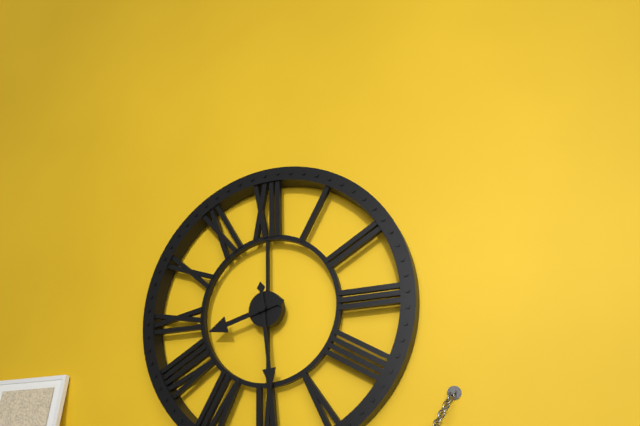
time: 8:29
